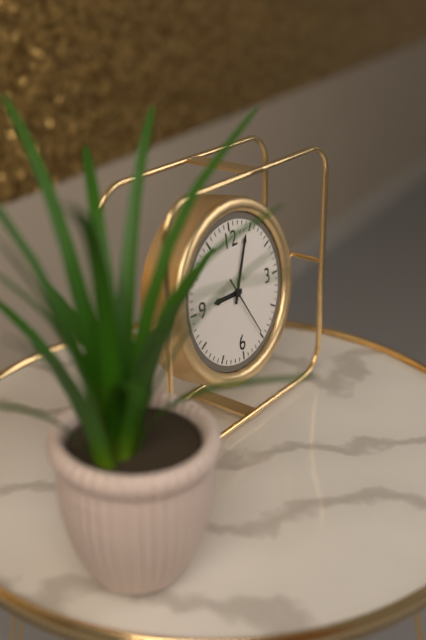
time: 9:04:25
